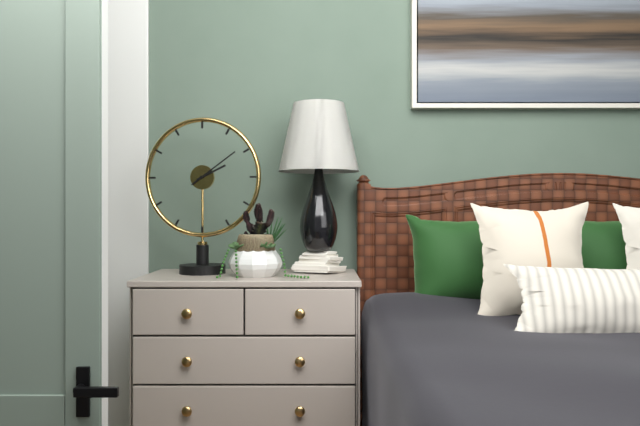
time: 2:09
